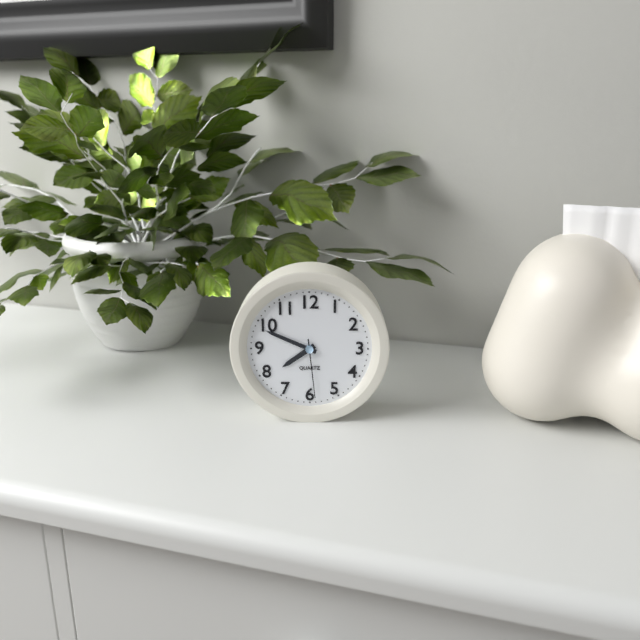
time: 7:49:29
